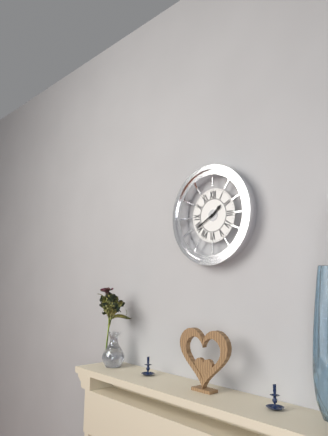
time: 1:40
